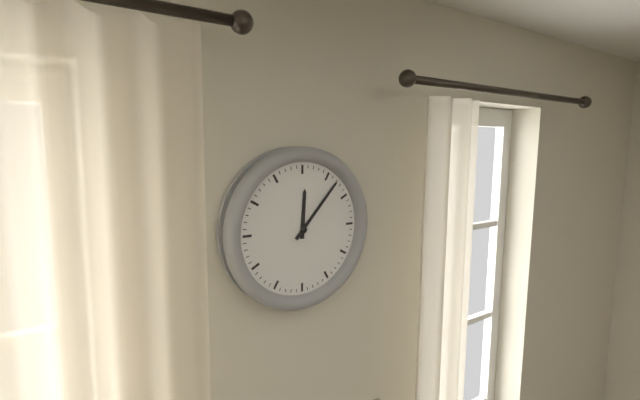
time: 12:07
